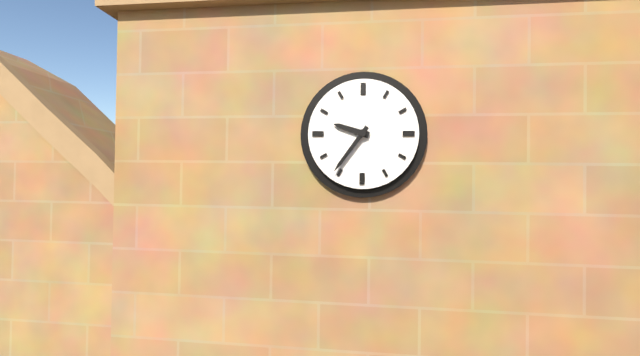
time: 9:36
